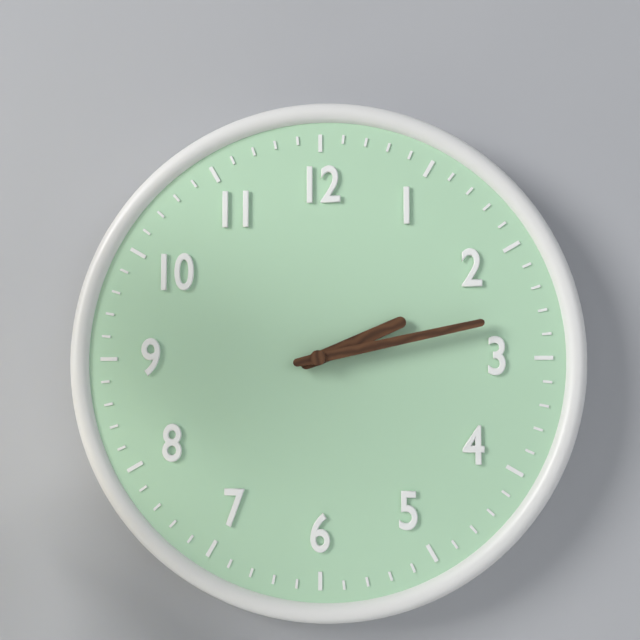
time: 2:13
